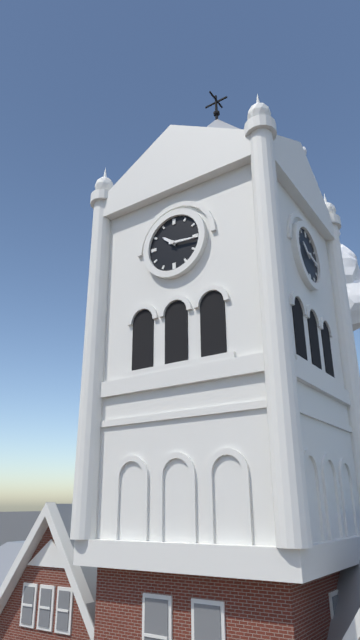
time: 10:16
